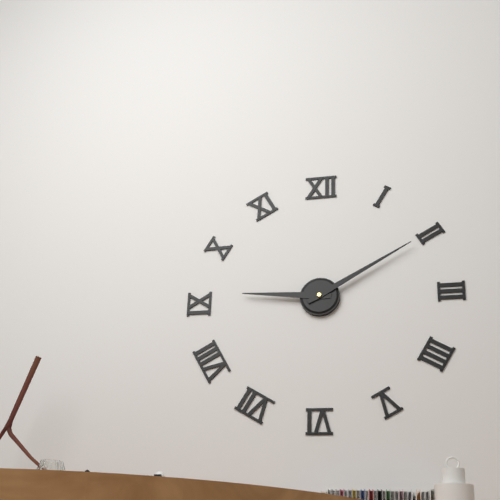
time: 9:10
